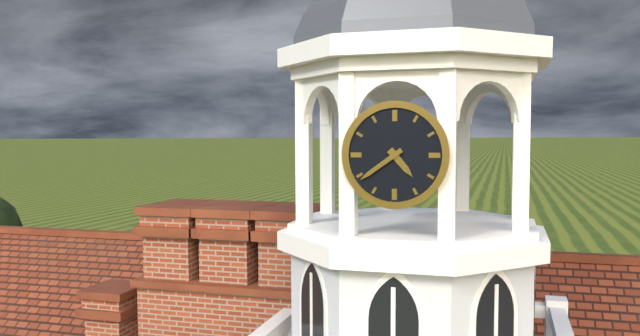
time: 4:39
